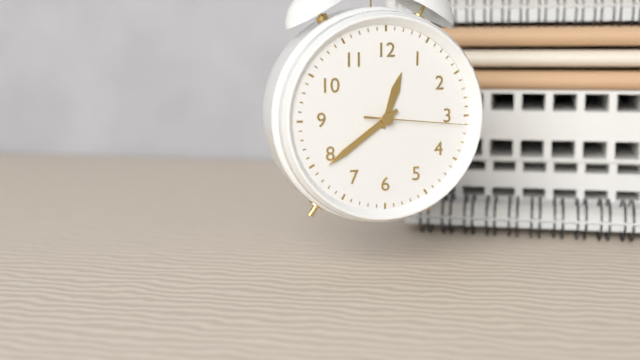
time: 12:39:16
